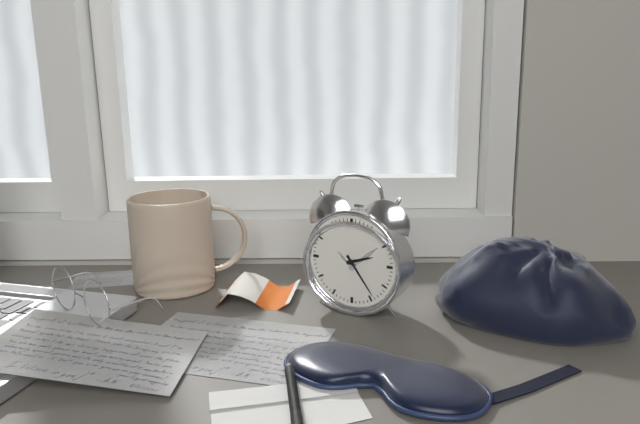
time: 2:24
